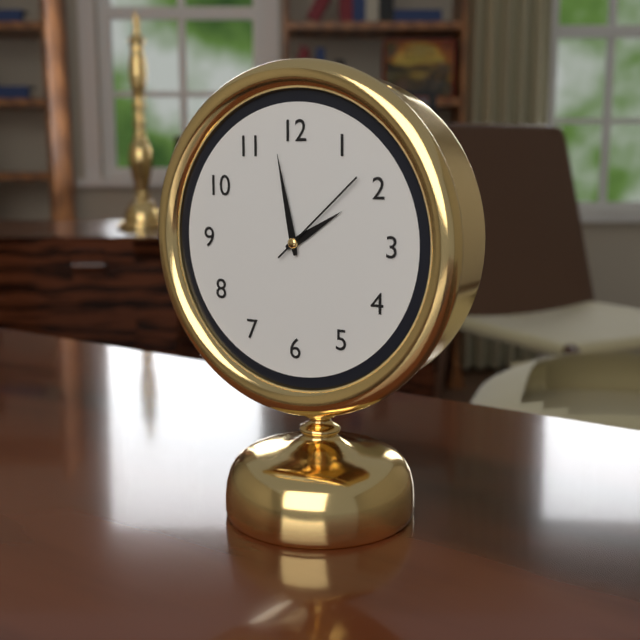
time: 1:58:08
